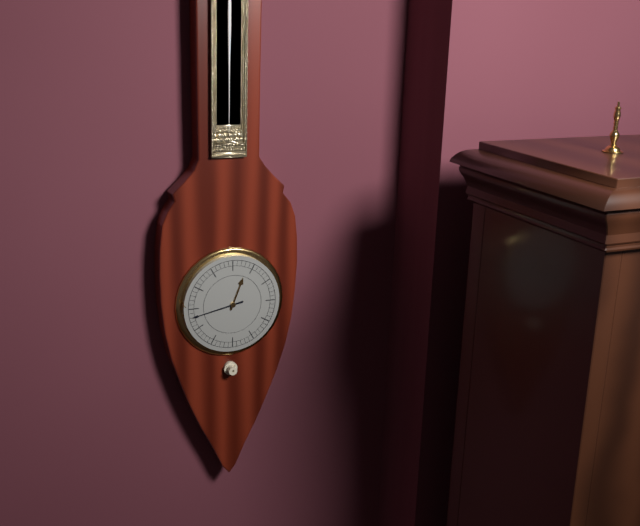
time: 12:43
